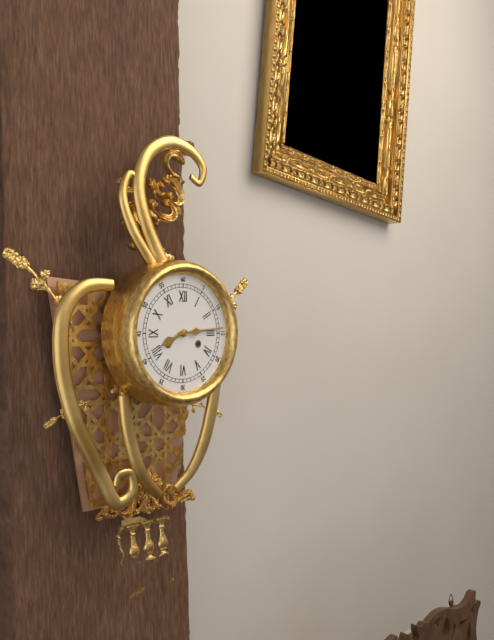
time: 8:14
